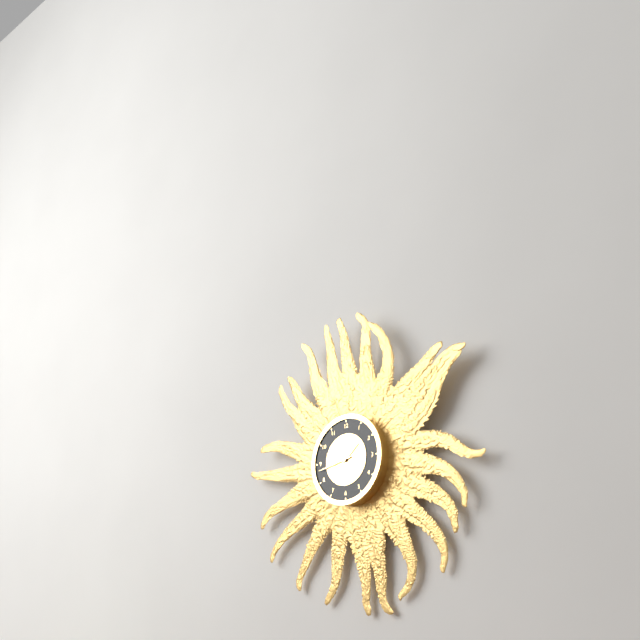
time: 1:43
